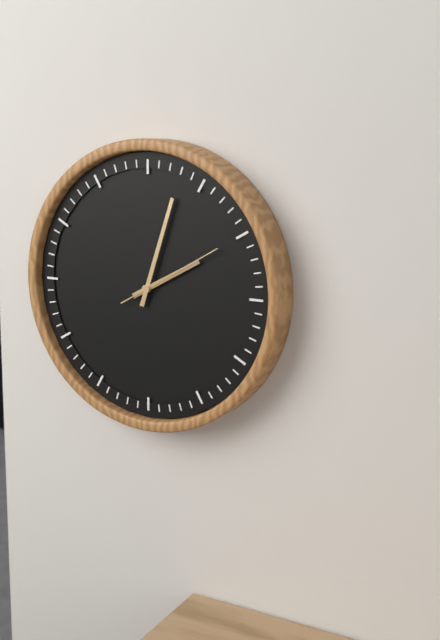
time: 2:03:10
